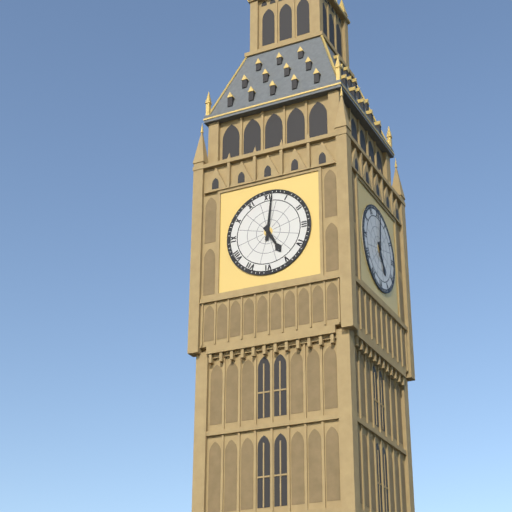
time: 5:01
